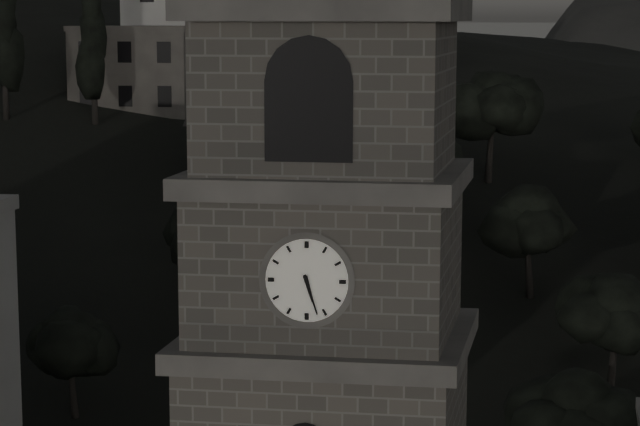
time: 5:27
